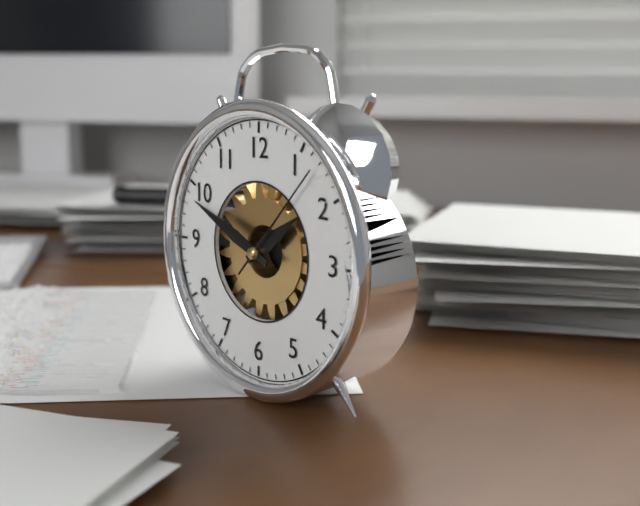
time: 1:49:07
